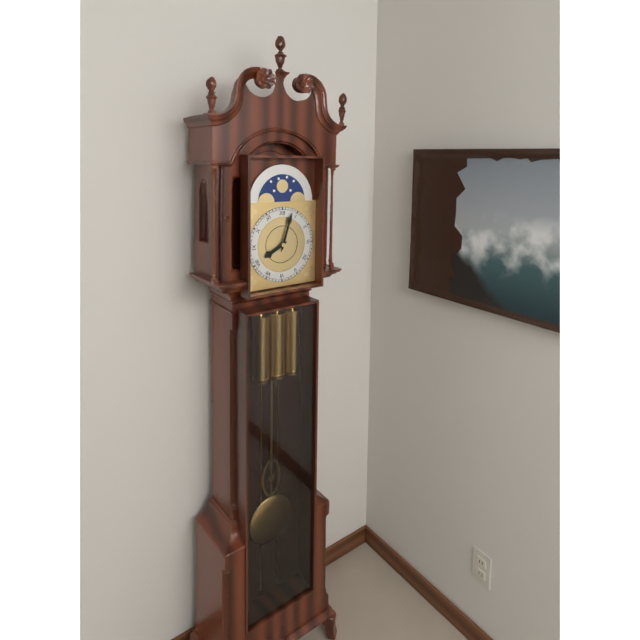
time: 8:03
